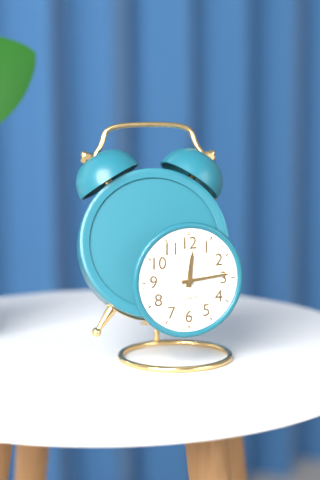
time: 12:14
